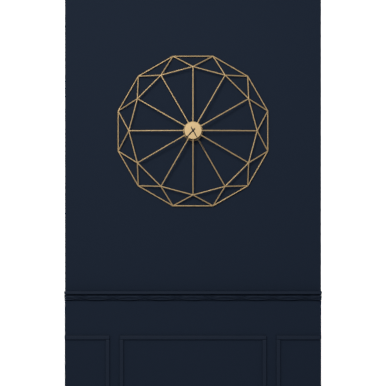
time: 7:25
